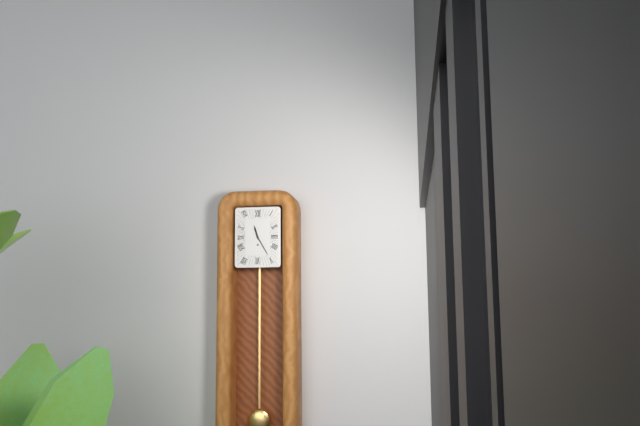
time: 11:25
